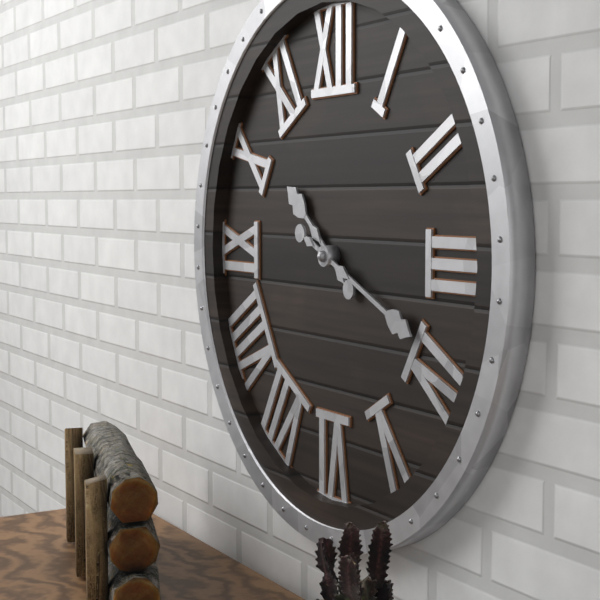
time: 10:19
